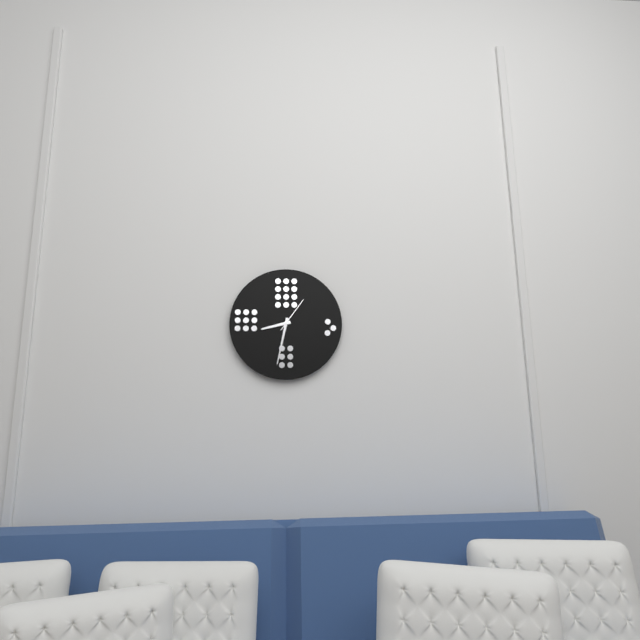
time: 8:32
